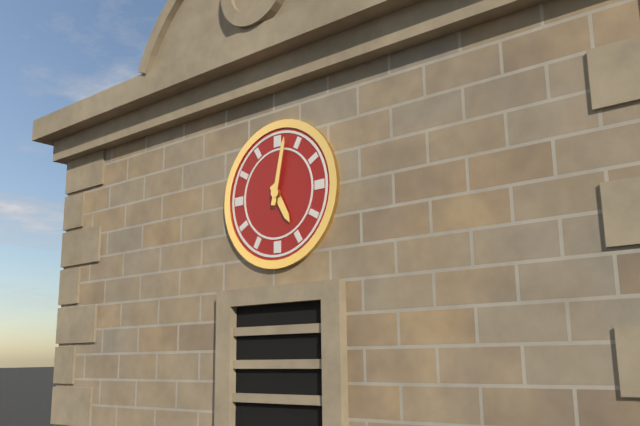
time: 5:02
